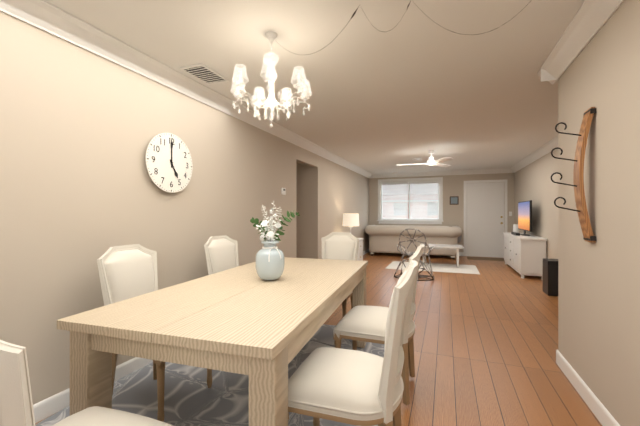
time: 5:00
